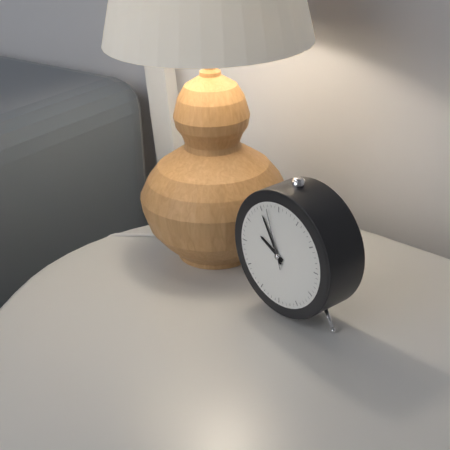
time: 9:55:57
